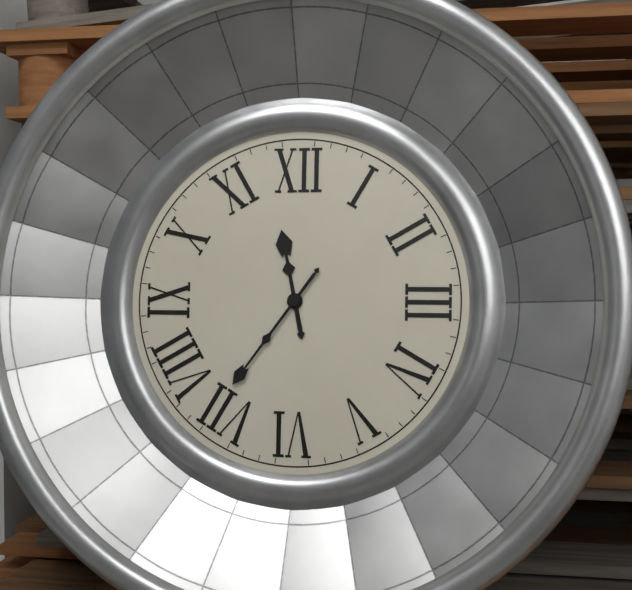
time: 11:36
